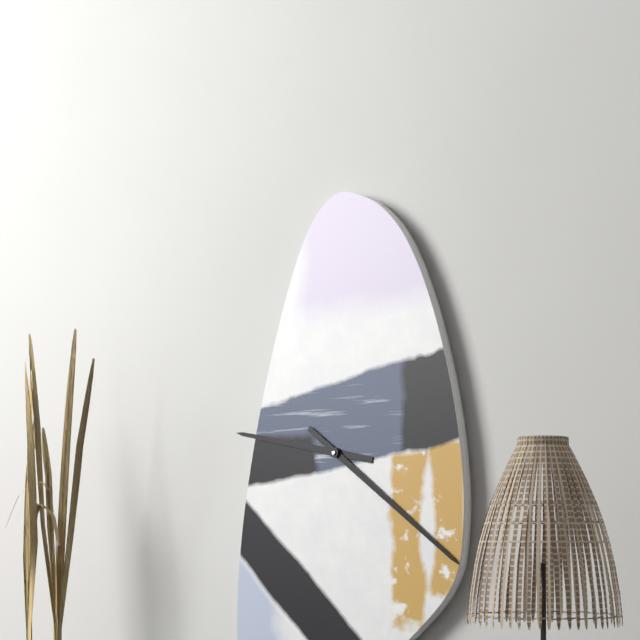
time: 9:21
